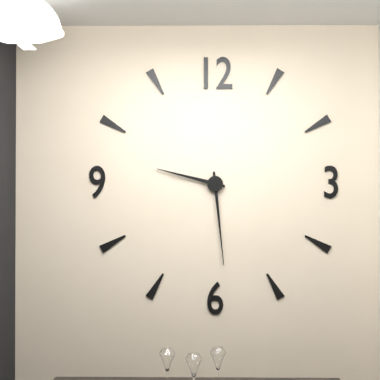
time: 9:29
